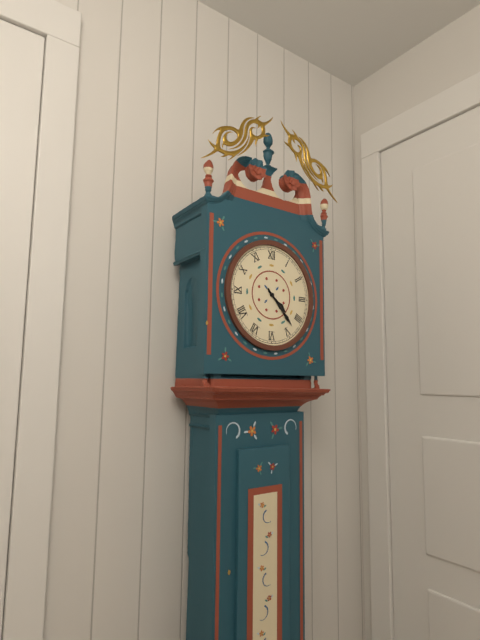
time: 4:23
